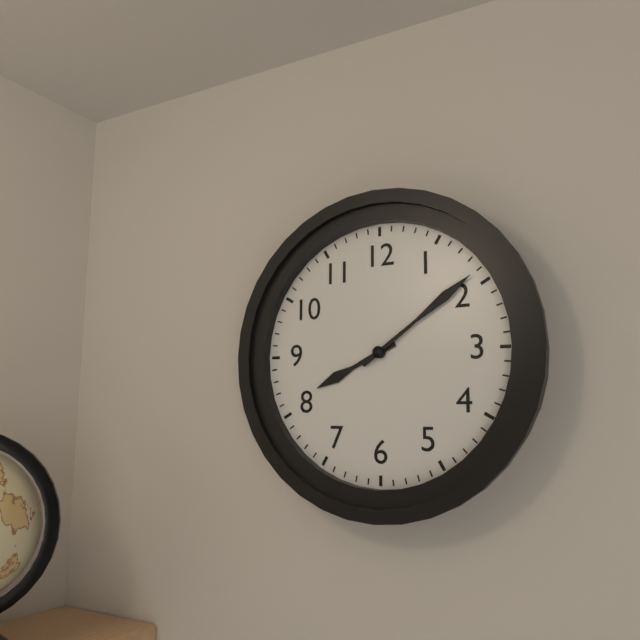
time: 8:09
